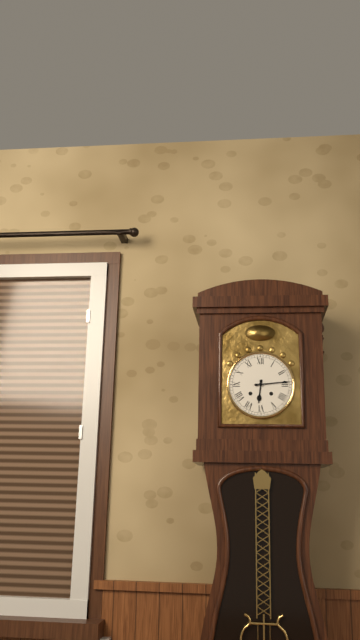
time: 6:14
